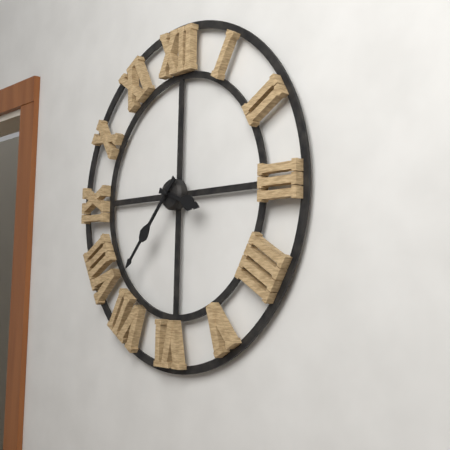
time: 3:37
